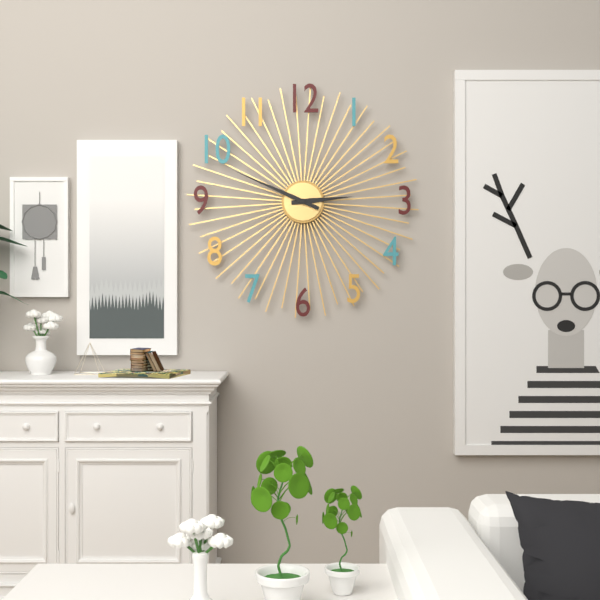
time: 2:49
